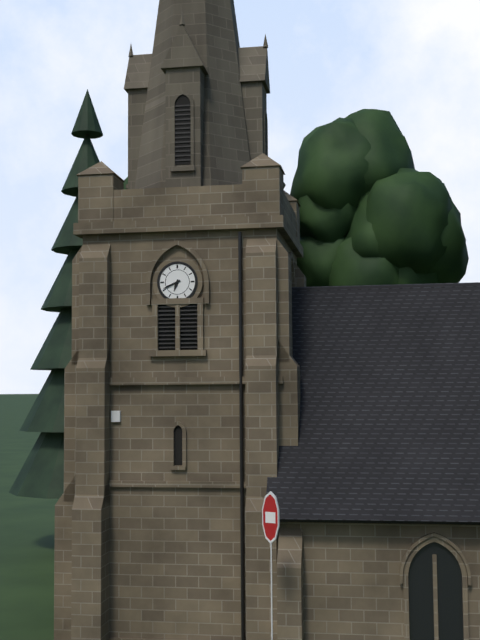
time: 6:41
